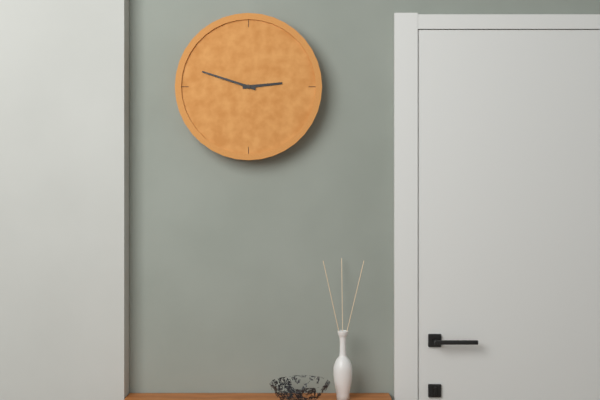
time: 2:48
